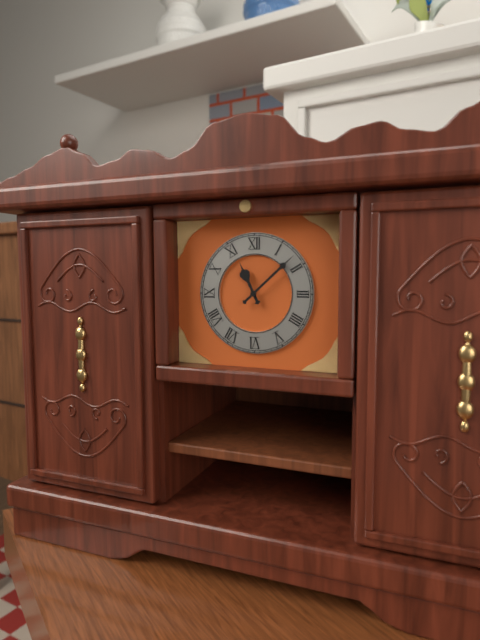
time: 11:08
